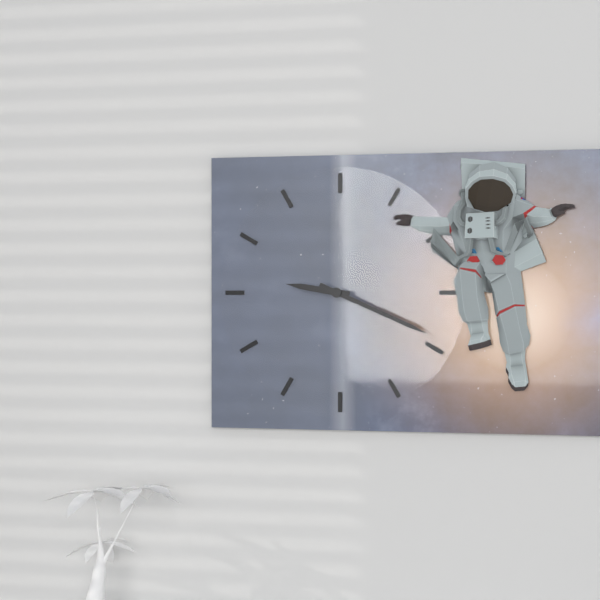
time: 9:19
